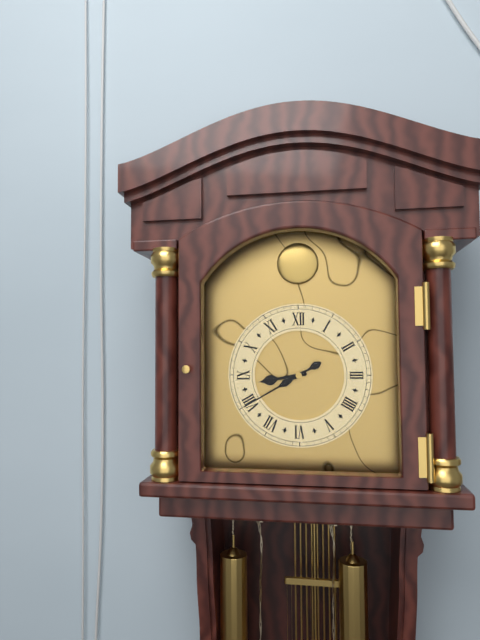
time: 8:40
